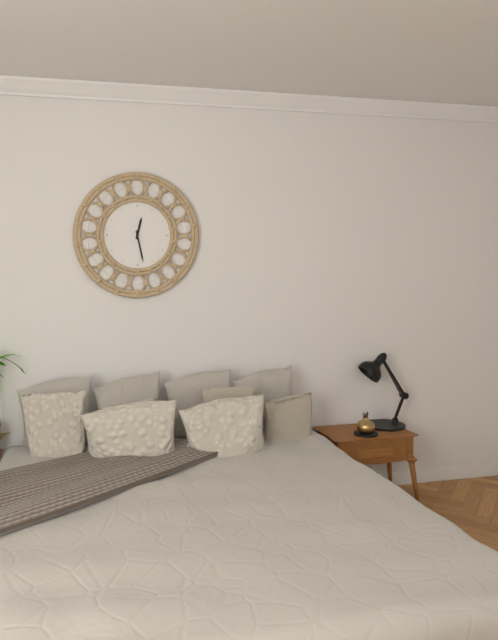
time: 12:28
